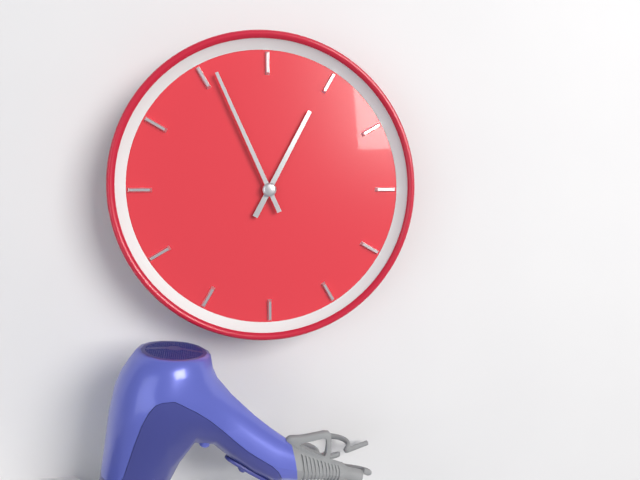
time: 12:56
